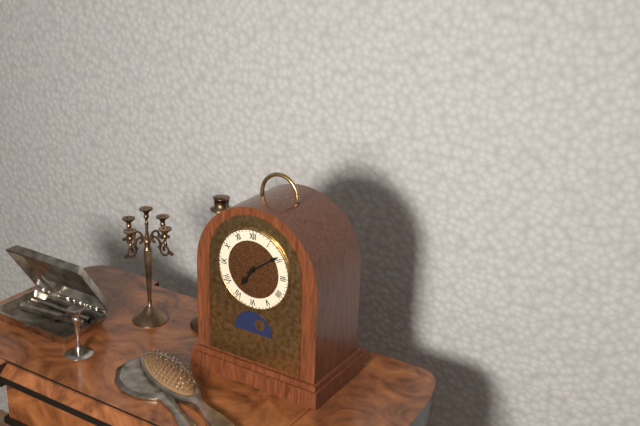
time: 7:09
